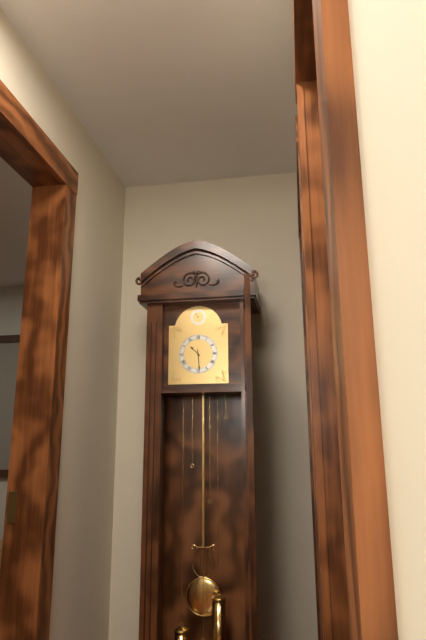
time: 10:29
